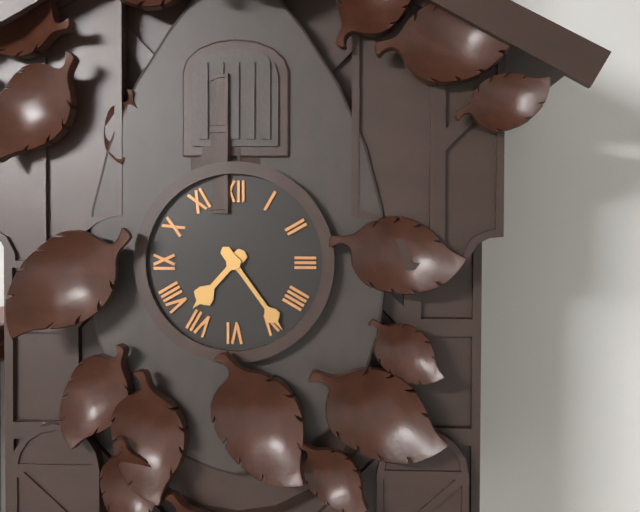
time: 7:24
